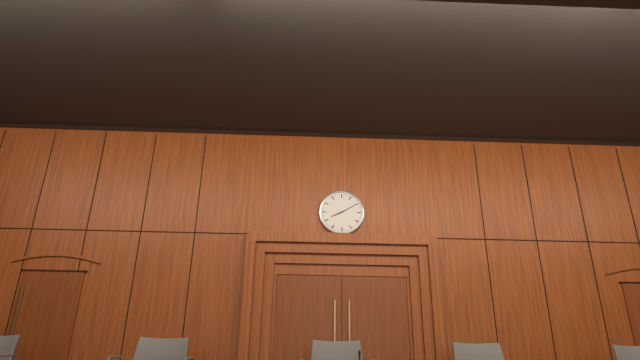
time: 8:10
